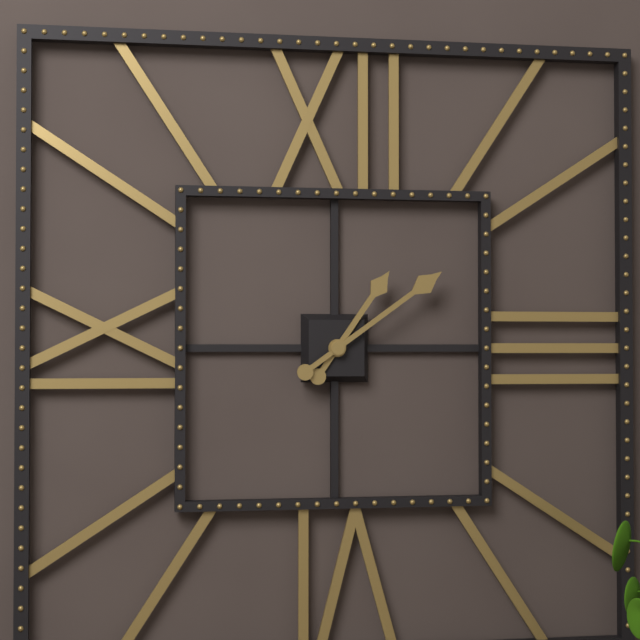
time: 1:09
